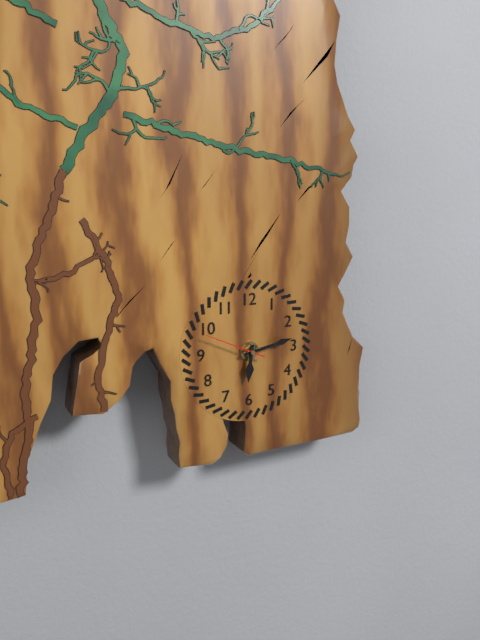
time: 6:13:49
